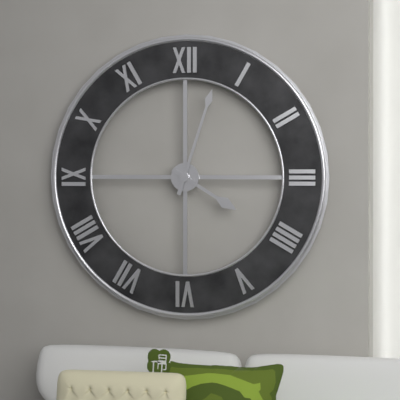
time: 4:03
